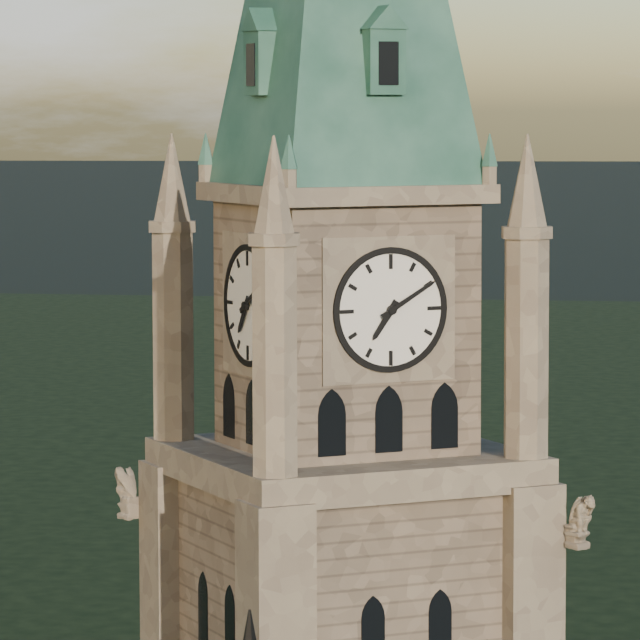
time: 7:10
